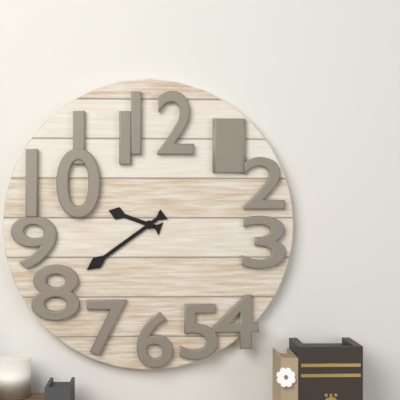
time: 9:39
